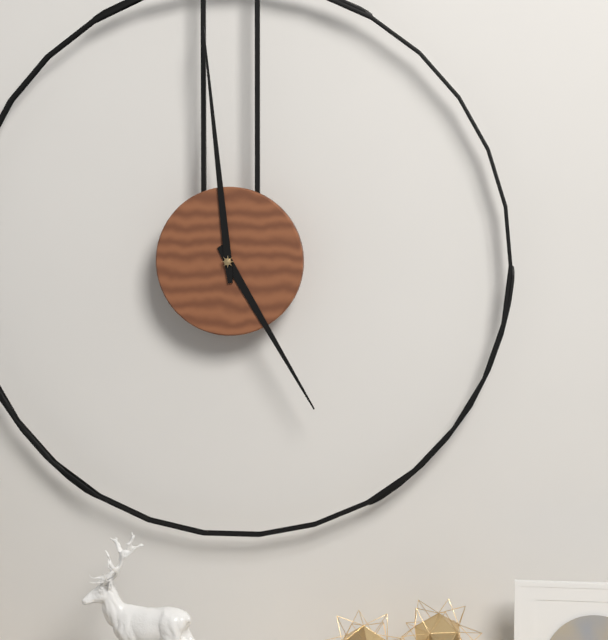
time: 4:59
